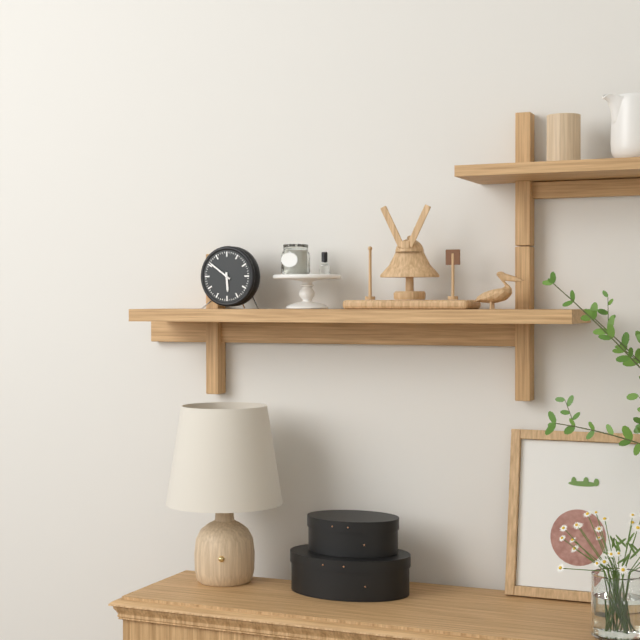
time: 5:51
